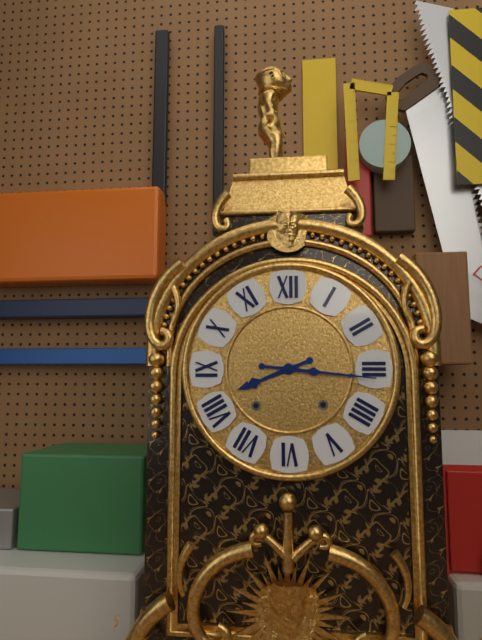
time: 8:16
